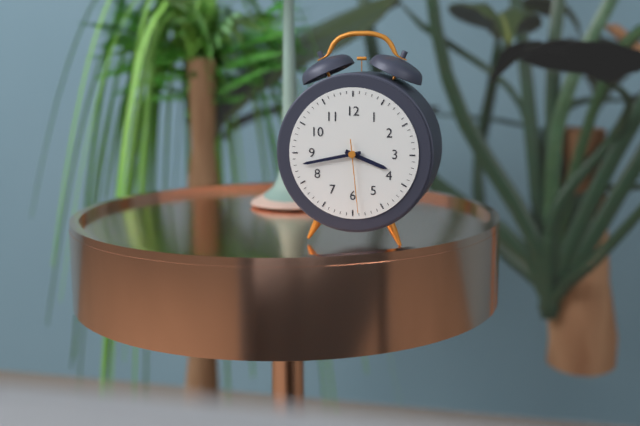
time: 3:43:29
